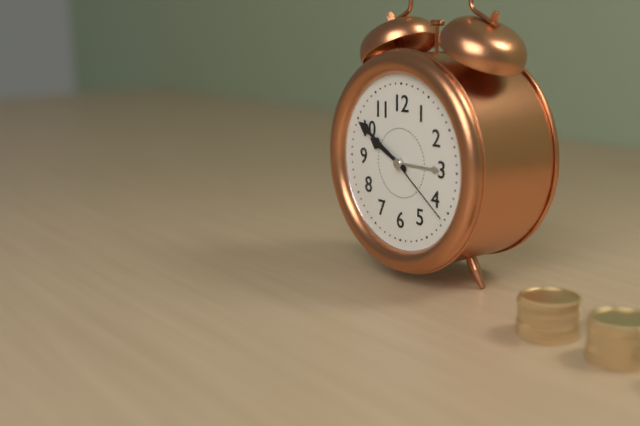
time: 9:50:21
